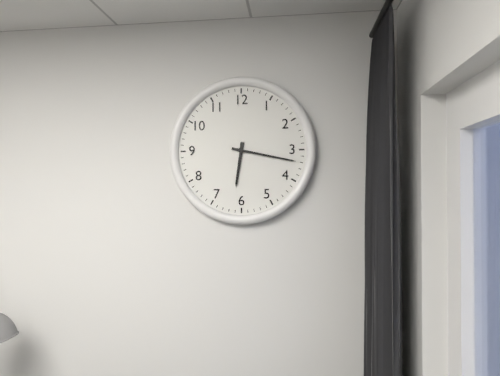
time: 6:17
